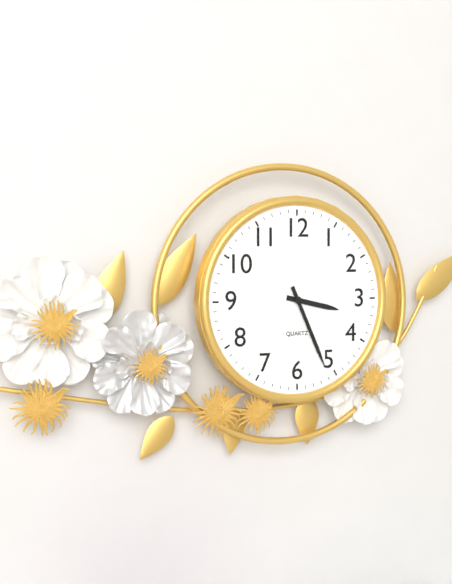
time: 3:26
